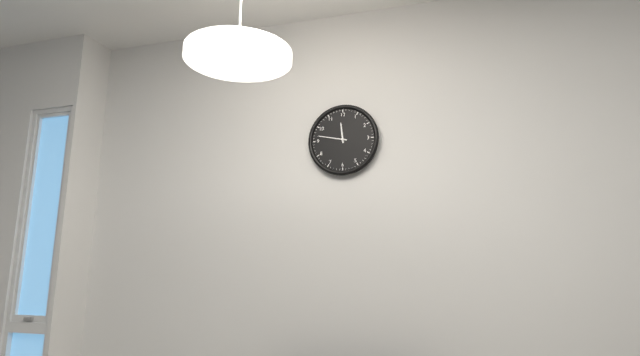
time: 11:47
